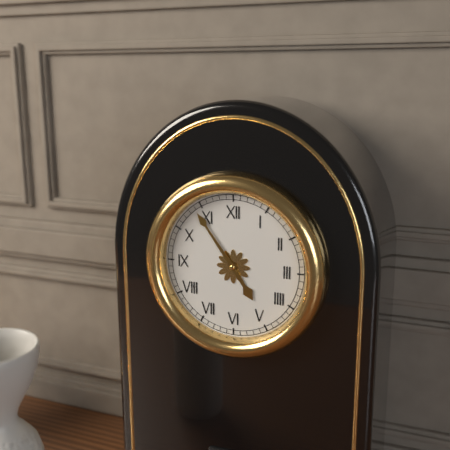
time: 4:54
